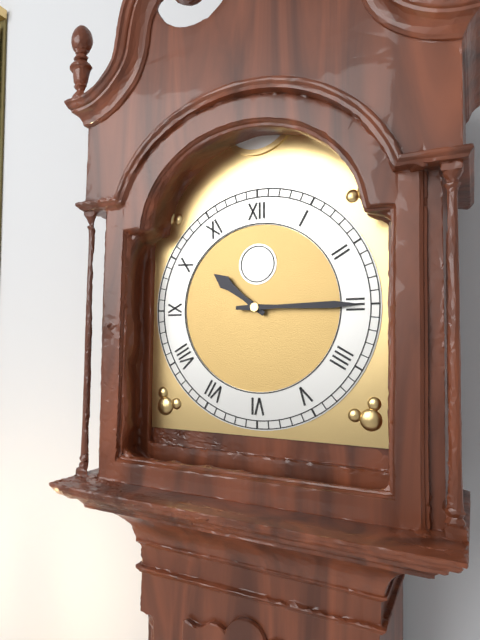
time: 10:15
